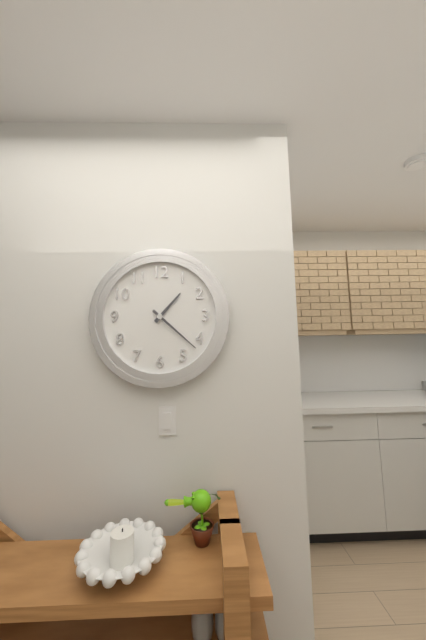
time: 1:22
